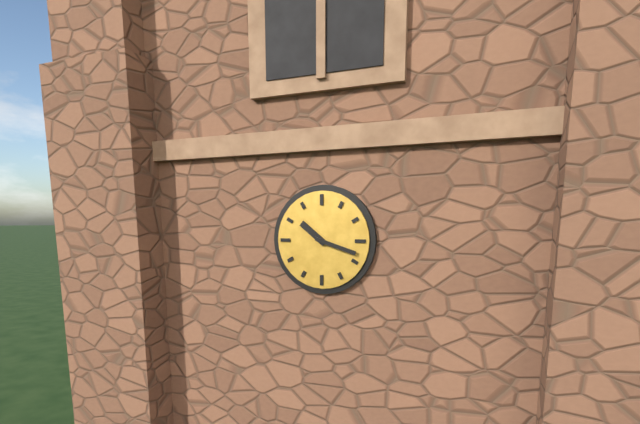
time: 10:18
